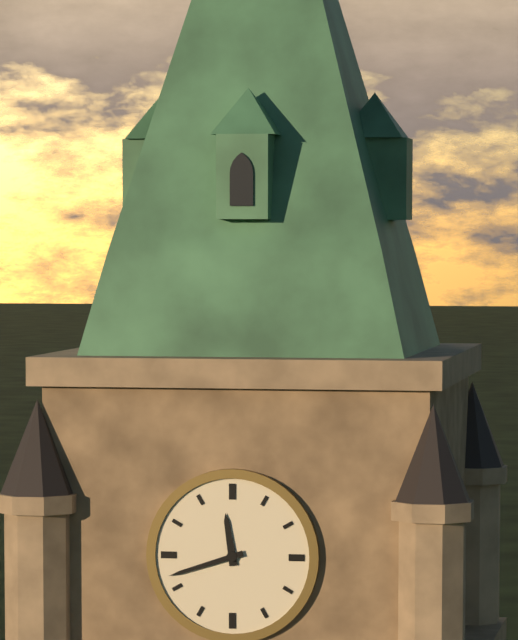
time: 11:42
